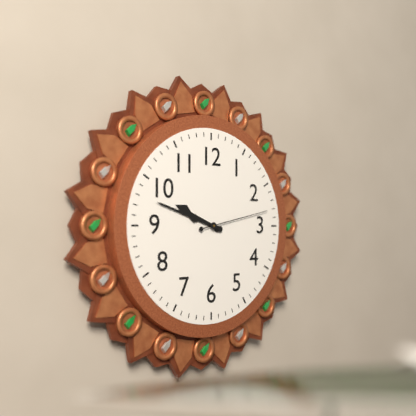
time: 9:48:13
